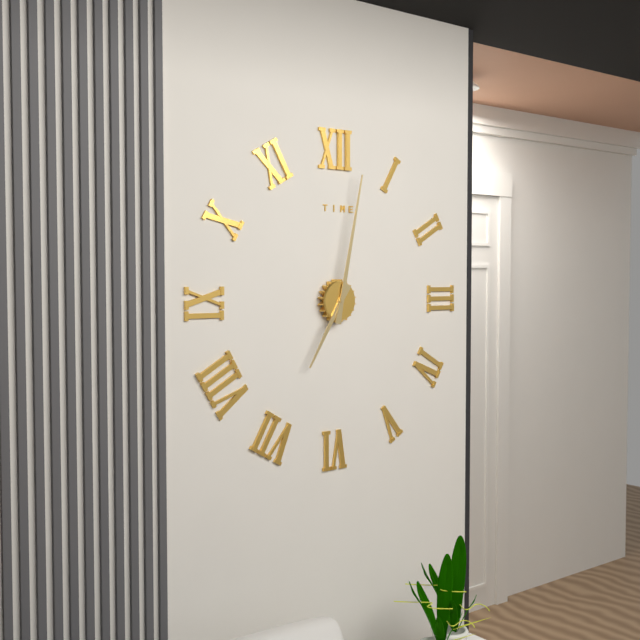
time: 7:02
